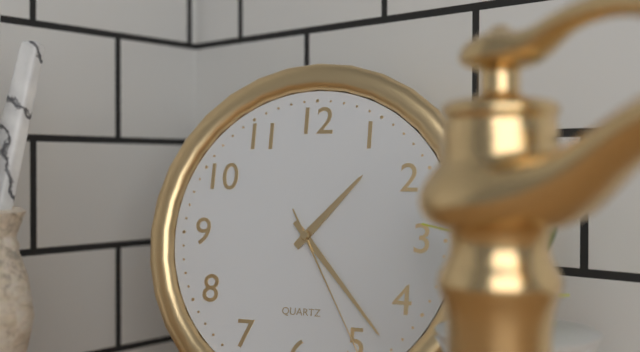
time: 1:23
